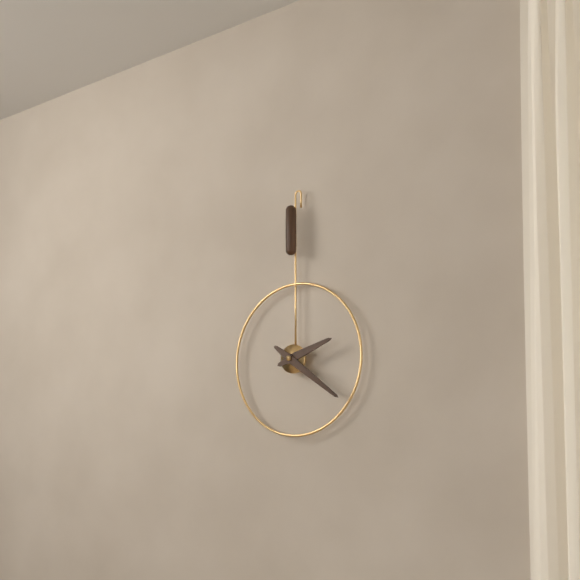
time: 2:21
